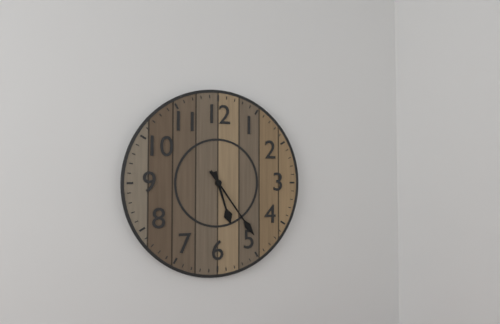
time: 5:24
